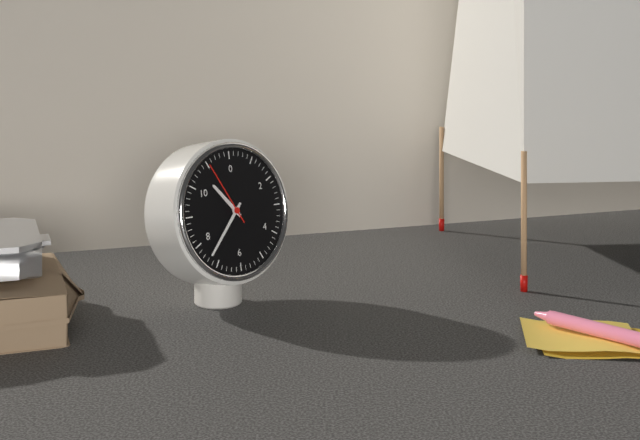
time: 10:37:55
